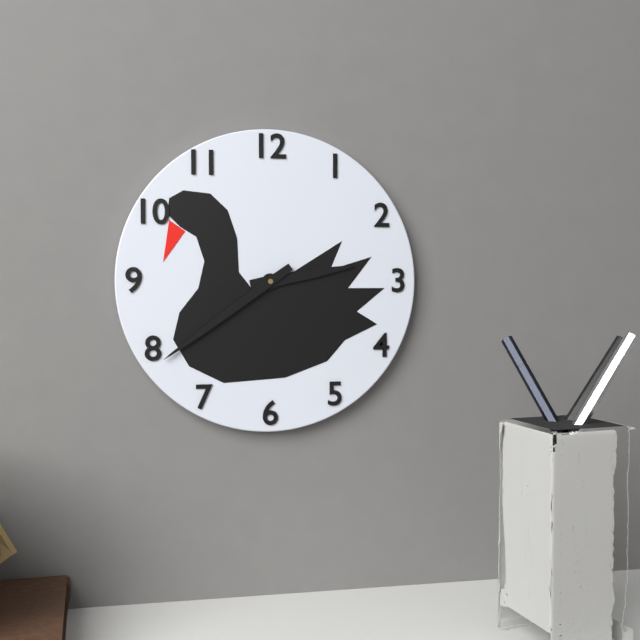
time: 2:39
